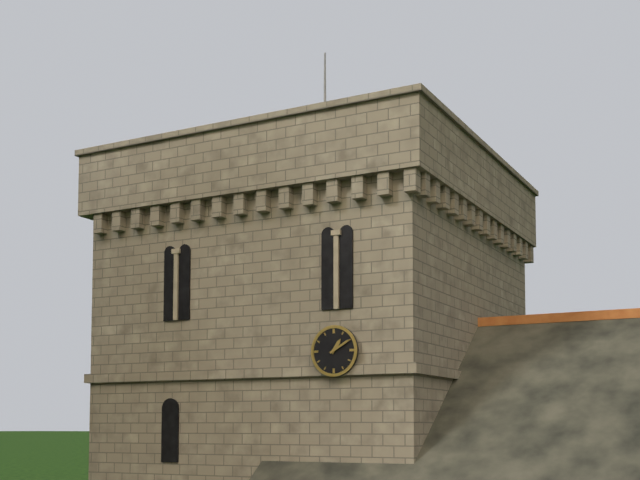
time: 1:10
